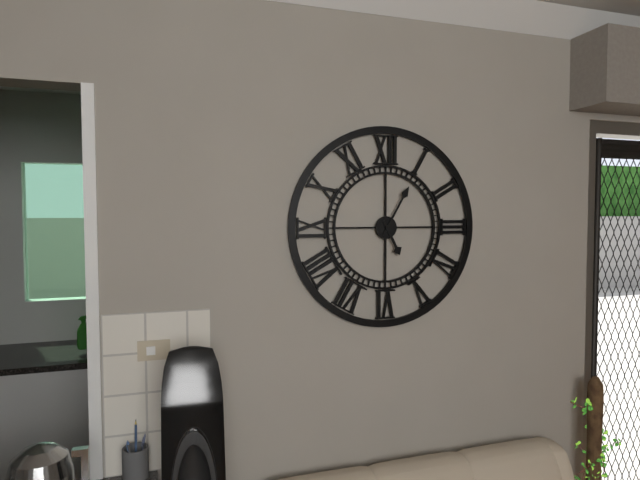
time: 5:05
